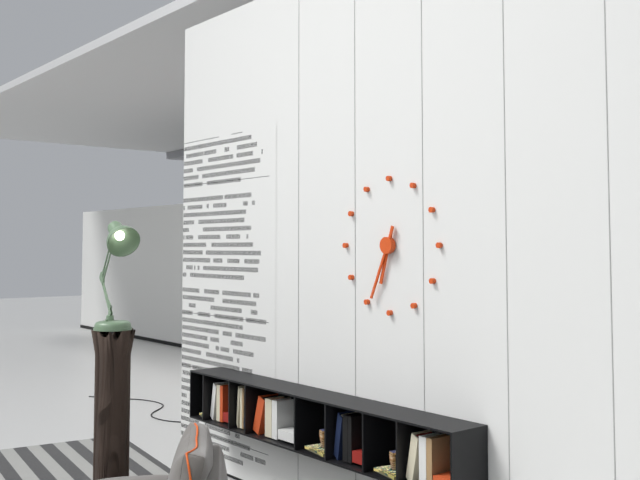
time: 6:34
